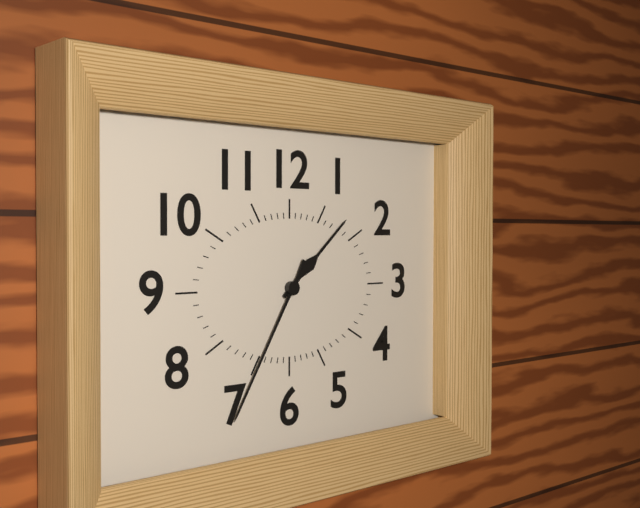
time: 1:35
